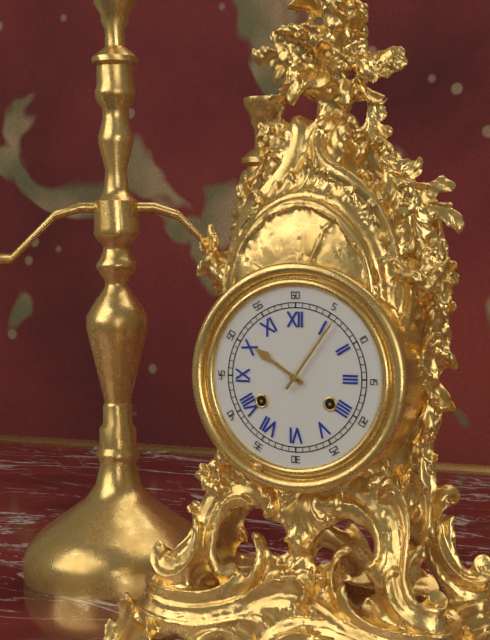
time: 10:06
